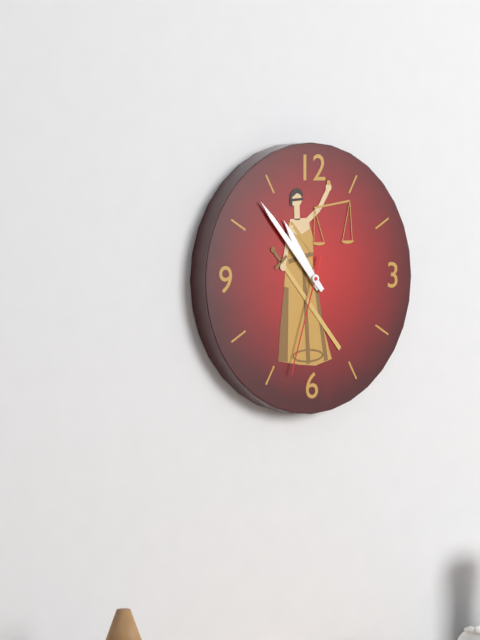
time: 10:53:33
